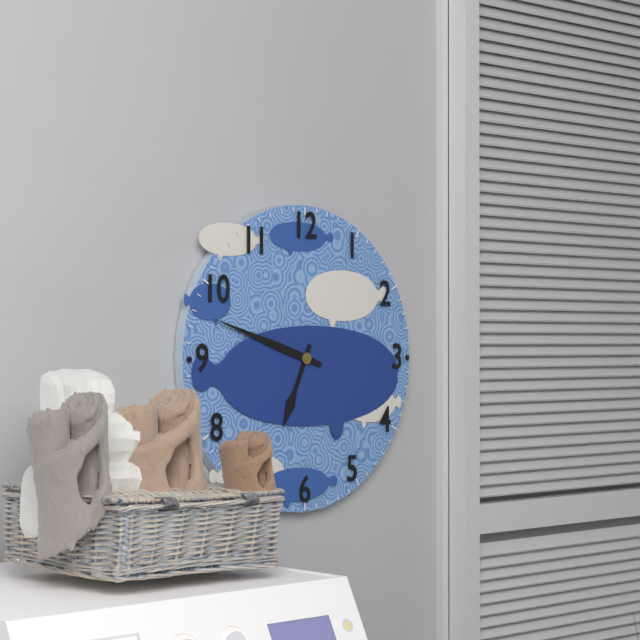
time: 6:48
